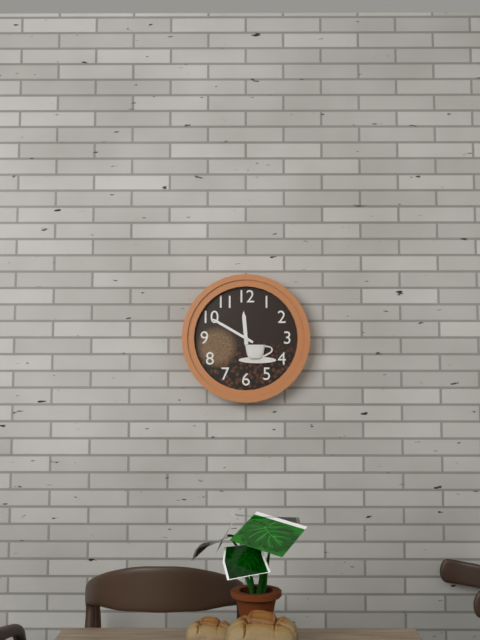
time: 11:50
